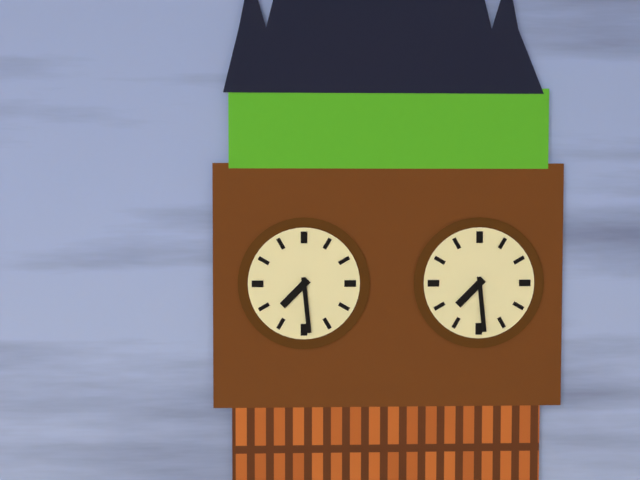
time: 7:29
